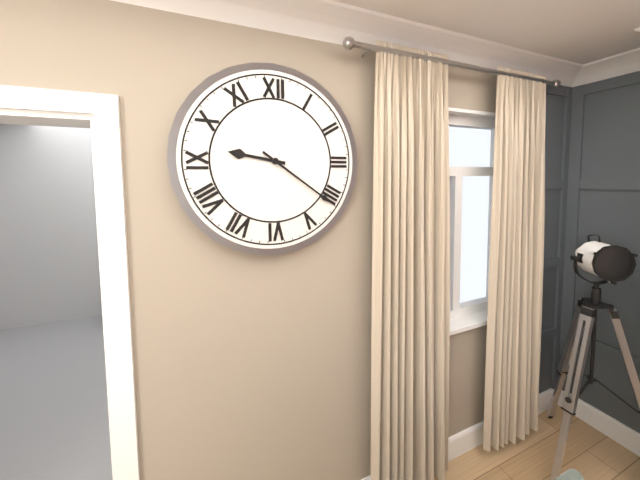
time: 9:21
